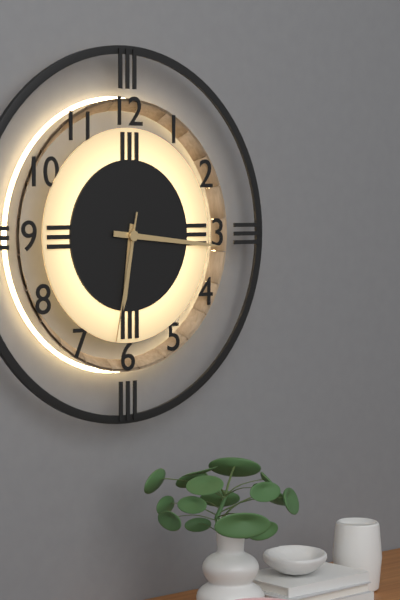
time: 6:16:32
